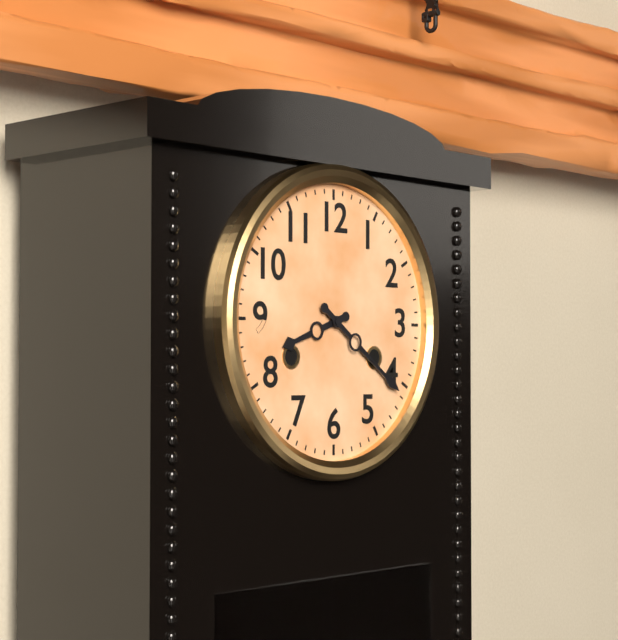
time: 8:21
